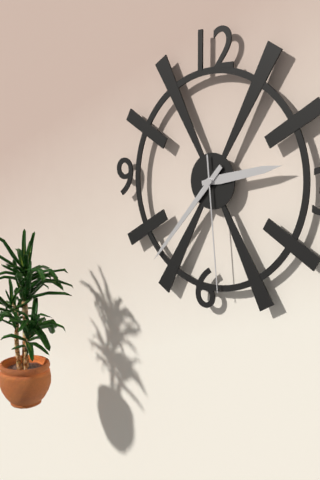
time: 2:37:29
